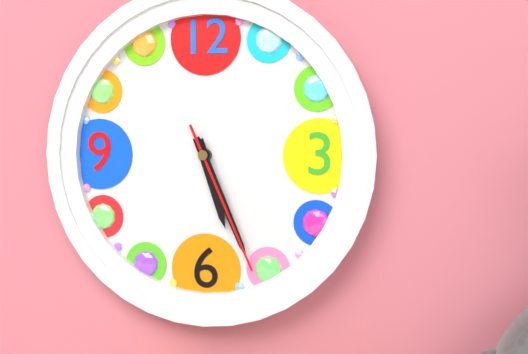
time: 5:26:26
